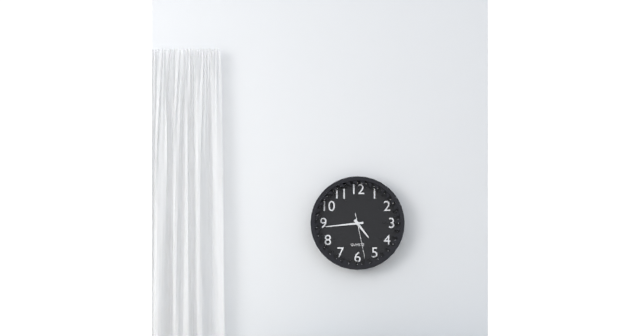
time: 4:44
